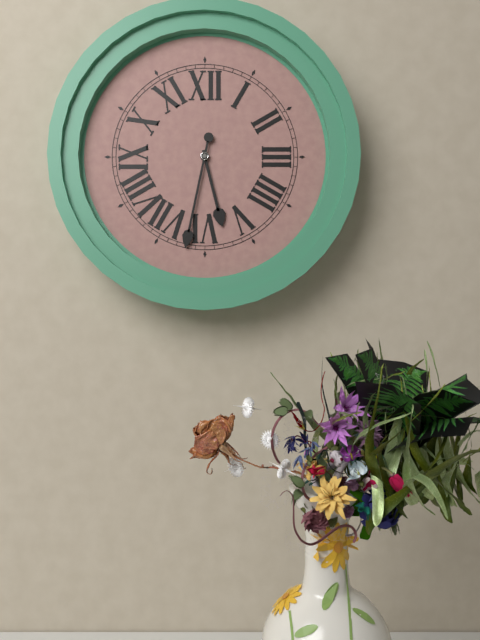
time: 5:32
